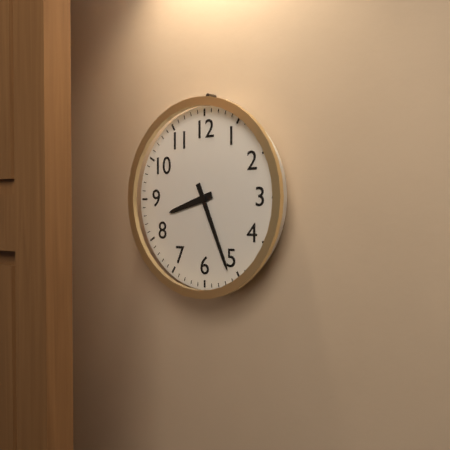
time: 8:26
